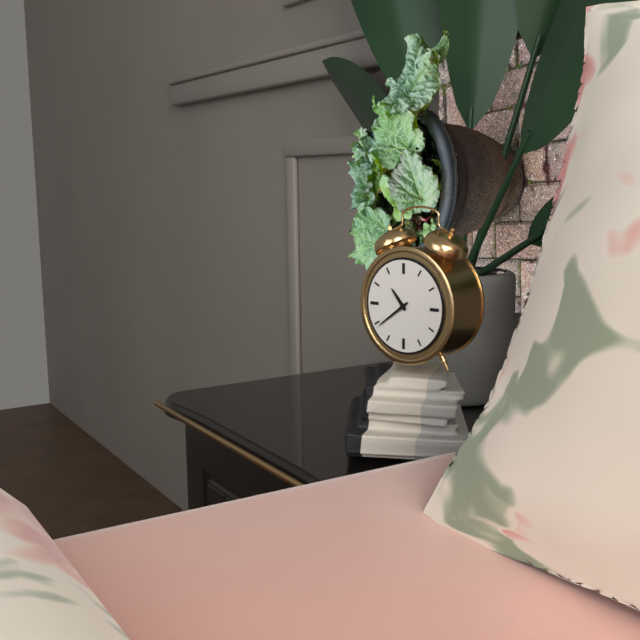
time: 10:39
